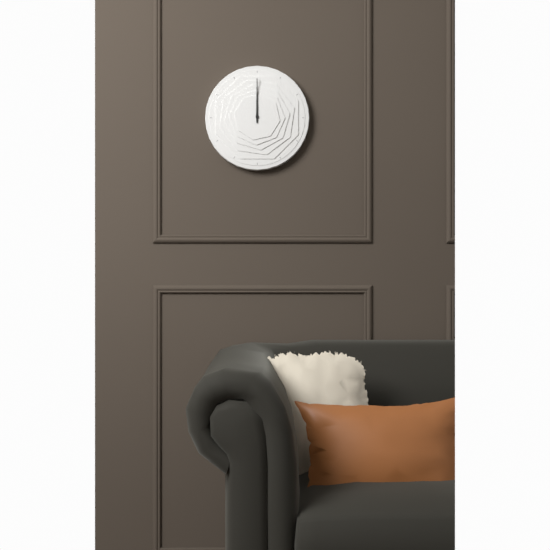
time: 12:00
